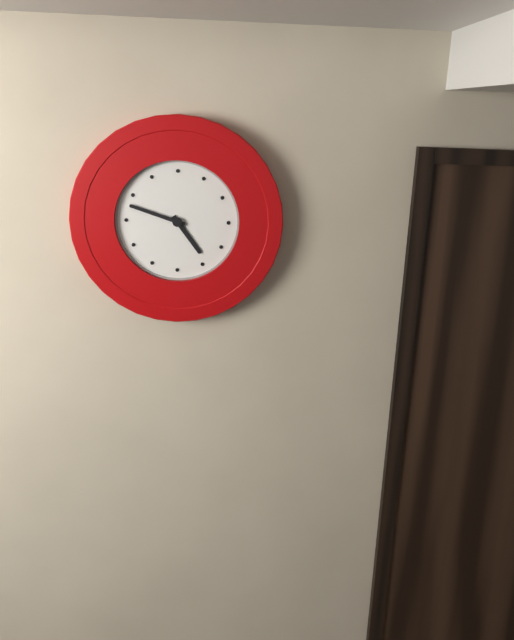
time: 4:48
